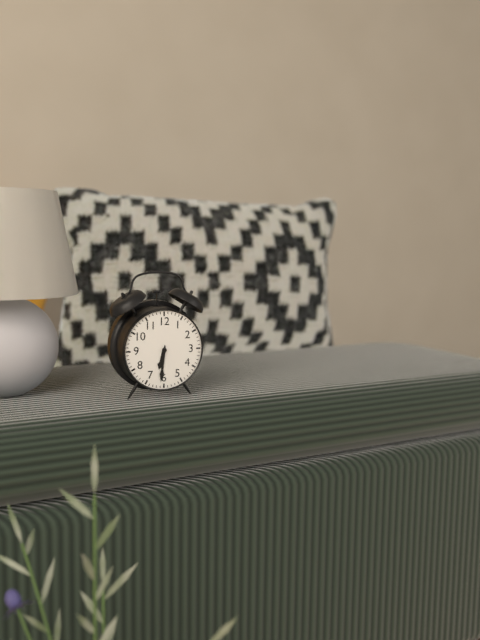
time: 6:31
